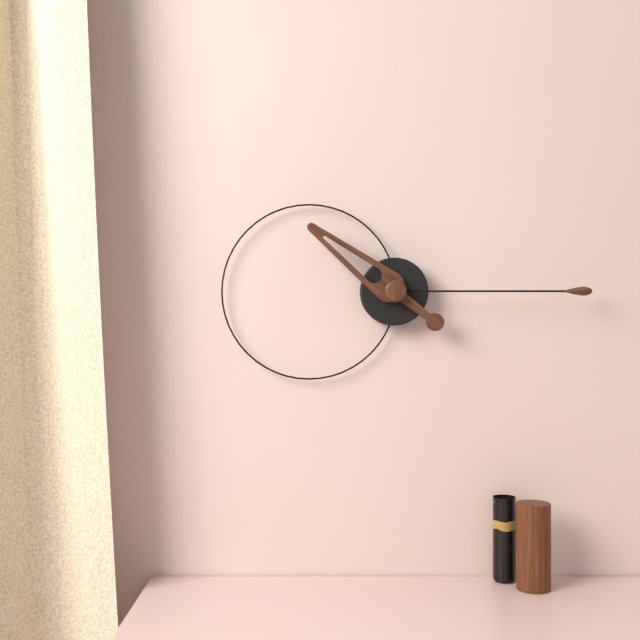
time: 10:15
